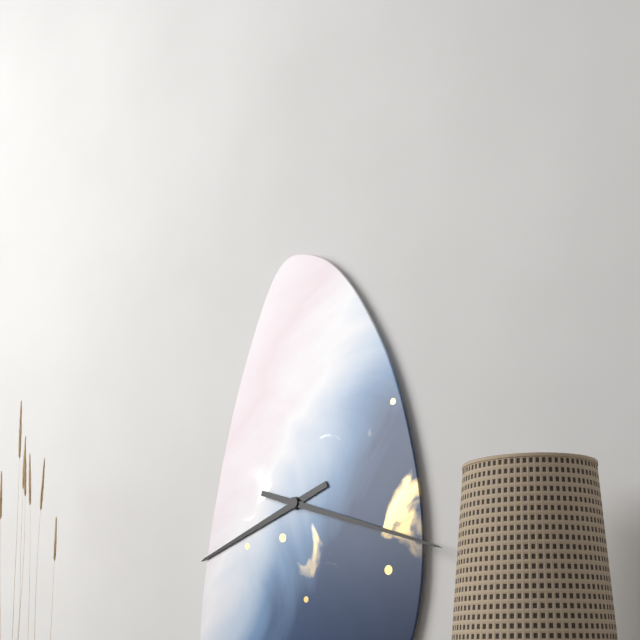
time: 8:18
